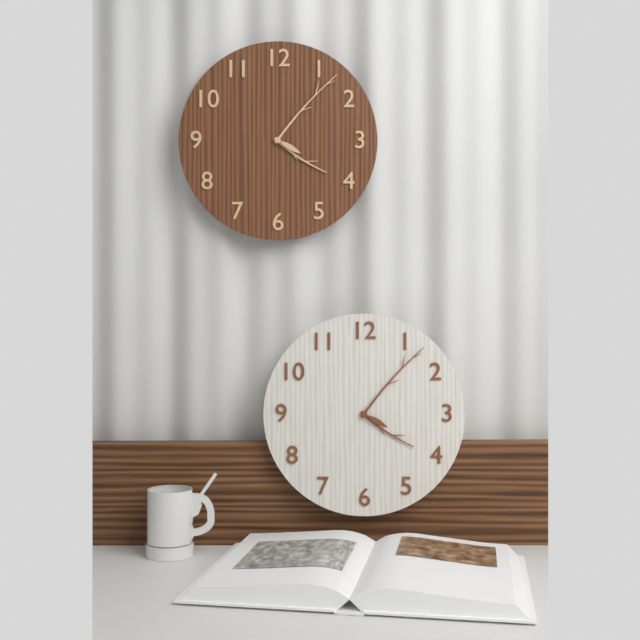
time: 4:07
